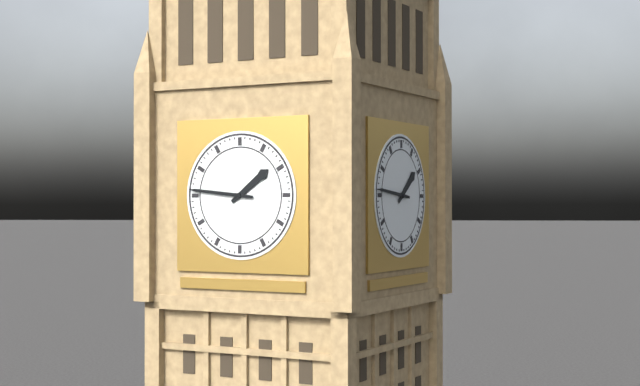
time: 1:46
